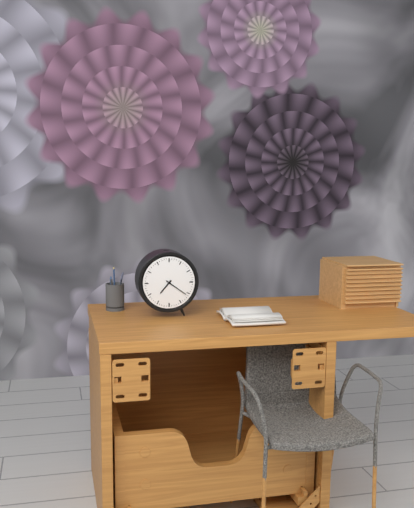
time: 7:21
